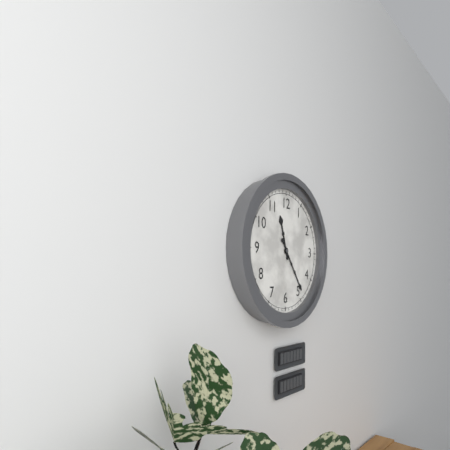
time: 11:24
